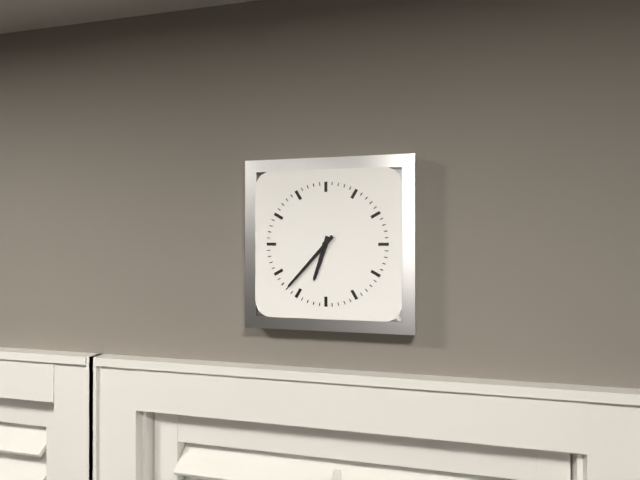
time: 6:37
